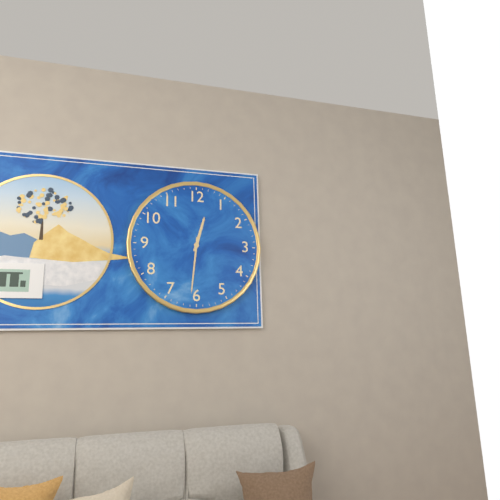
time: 12:31
